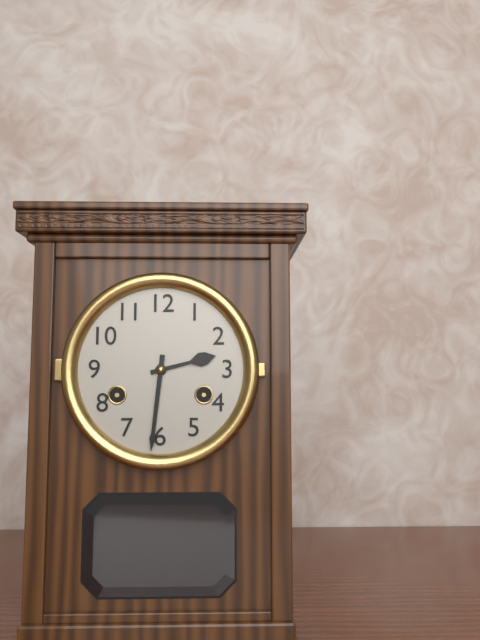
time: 2:31
